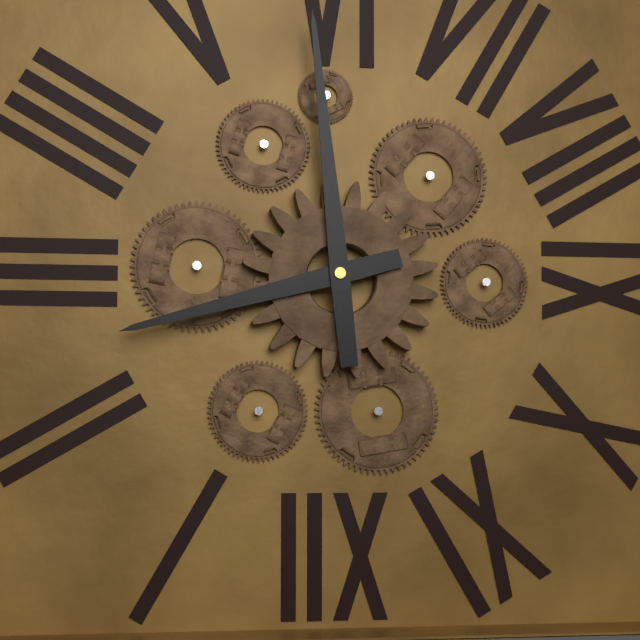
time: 2:29
